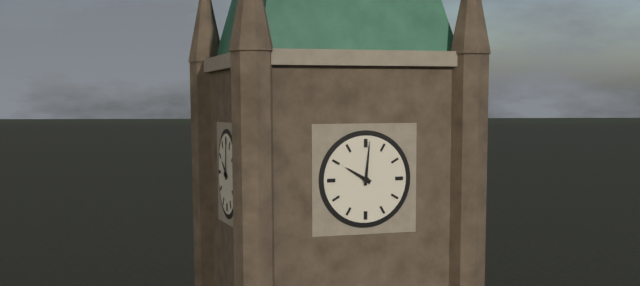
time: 10:01
